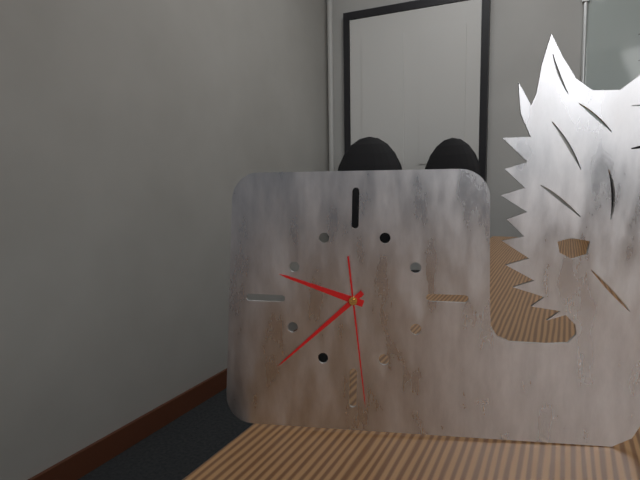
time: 9:38:29
